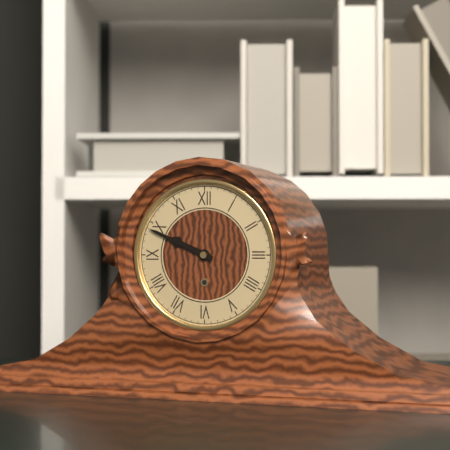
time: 9:49
